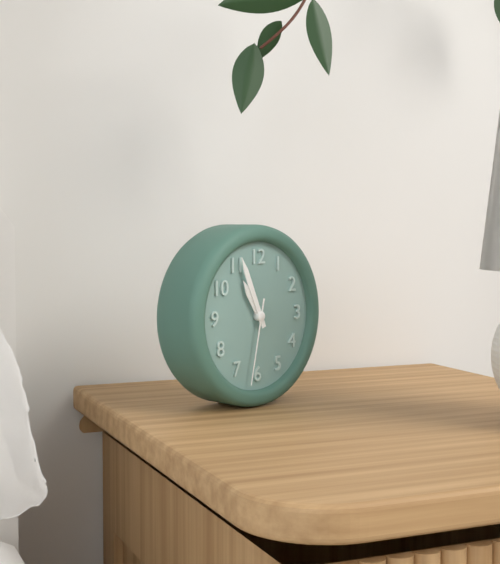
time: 10:56:32
